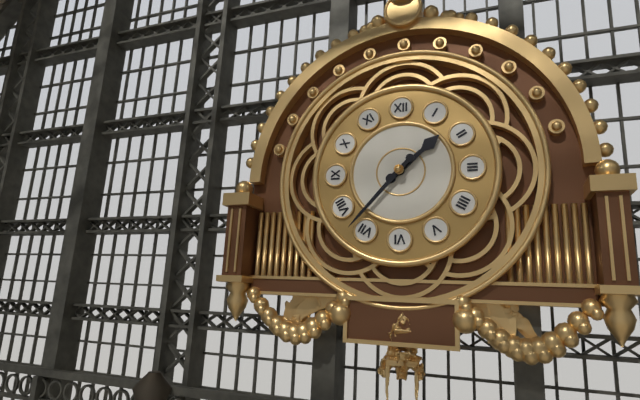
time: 1:37
